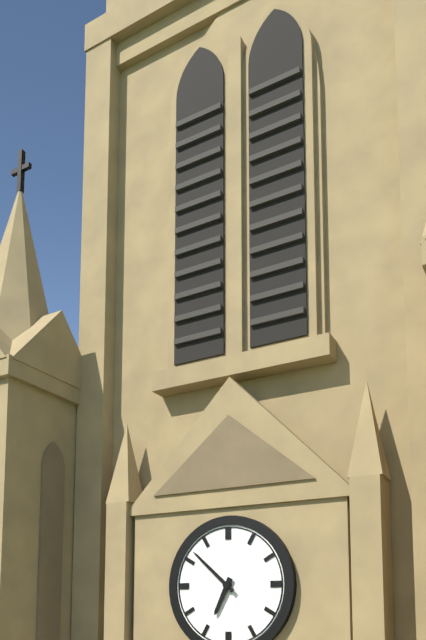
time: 6:52
